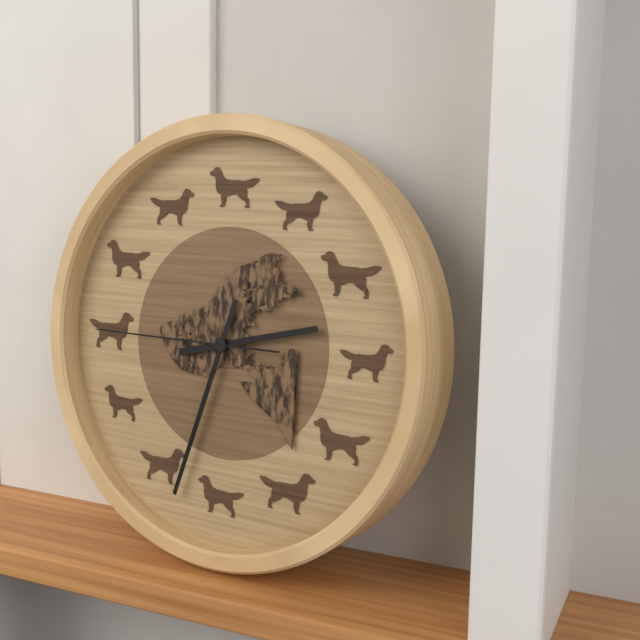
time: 2:33:45
